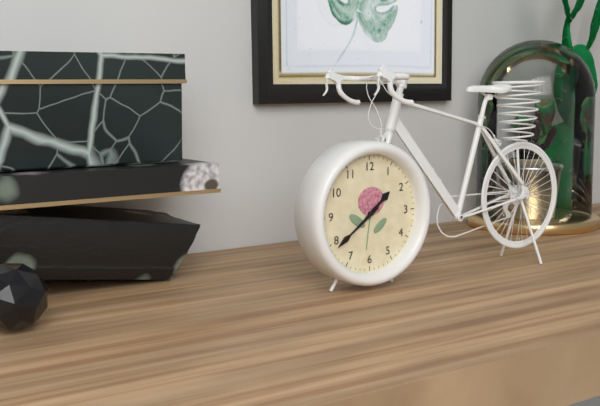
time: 1:39
